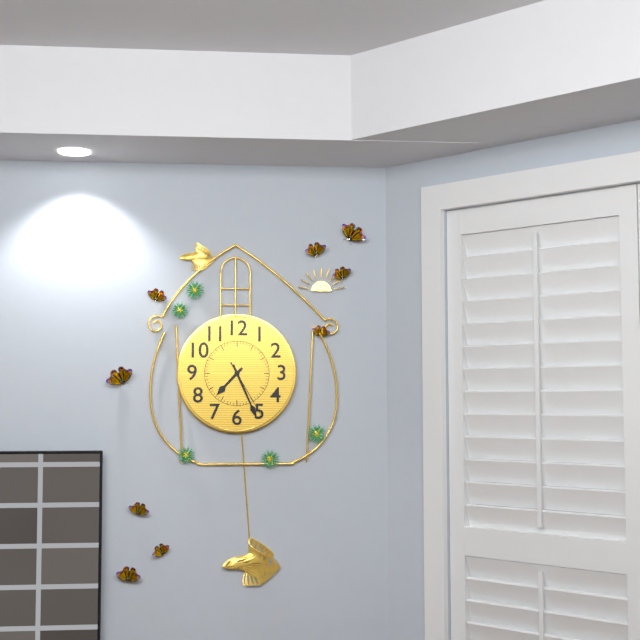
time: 7:26:25
